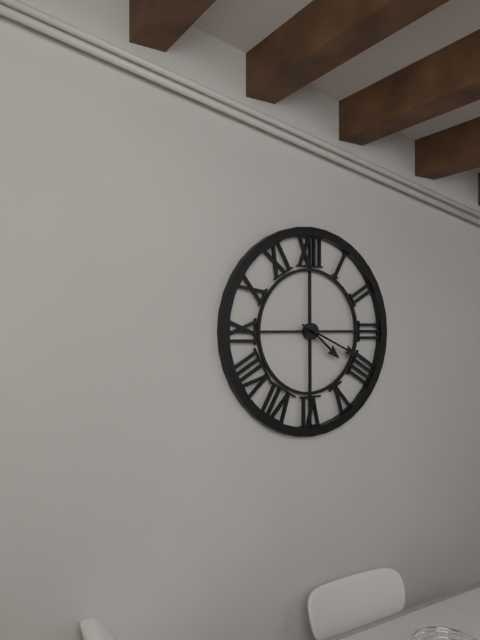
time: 4:19
